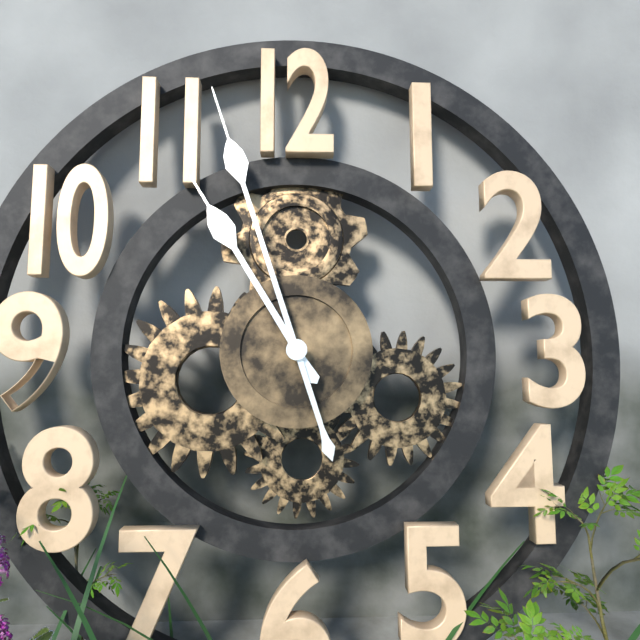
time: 10:57
